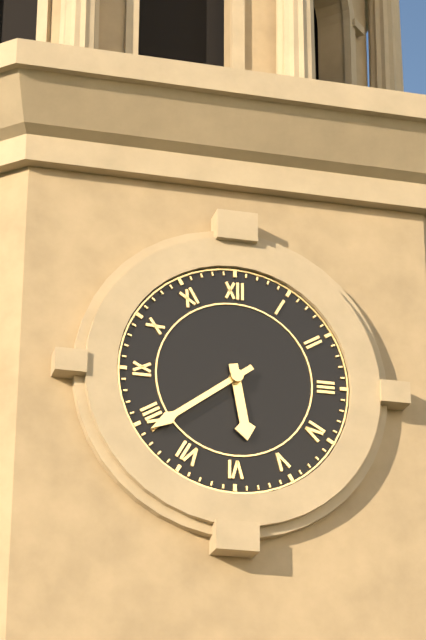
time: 5:39
